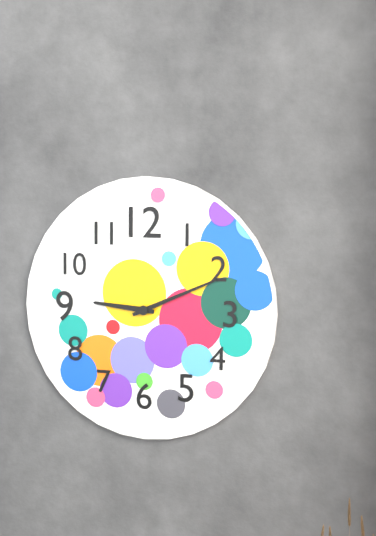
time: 9:11
